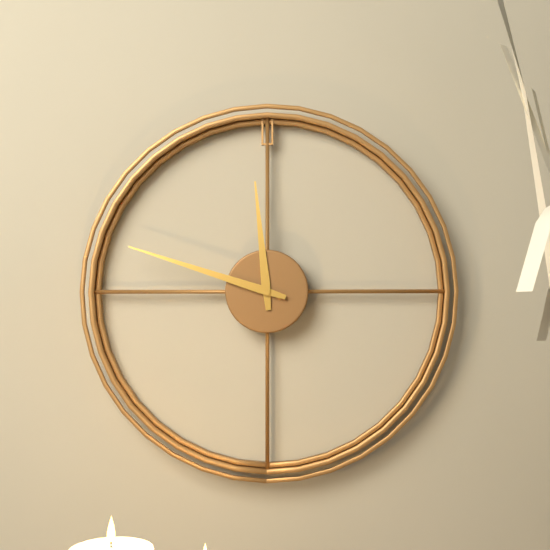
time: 11:48
